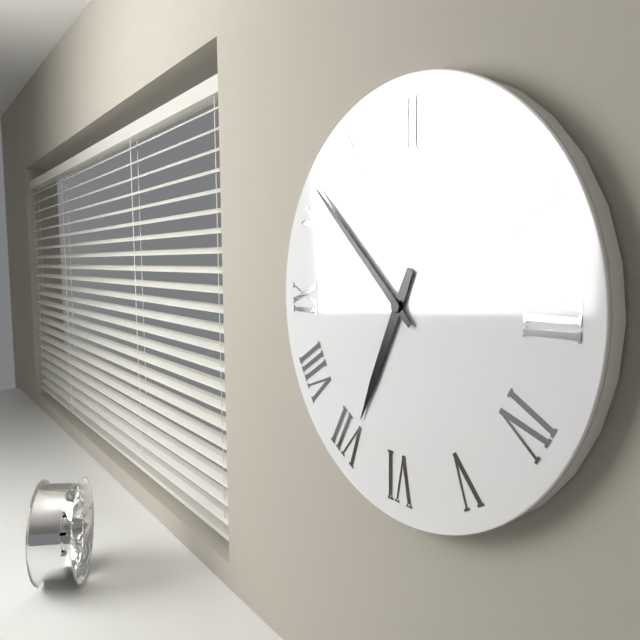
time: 6:52
